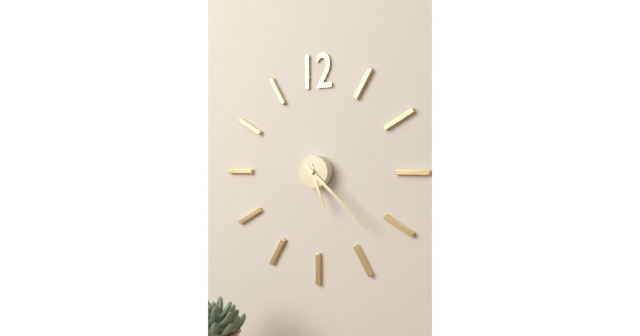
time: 5:22
